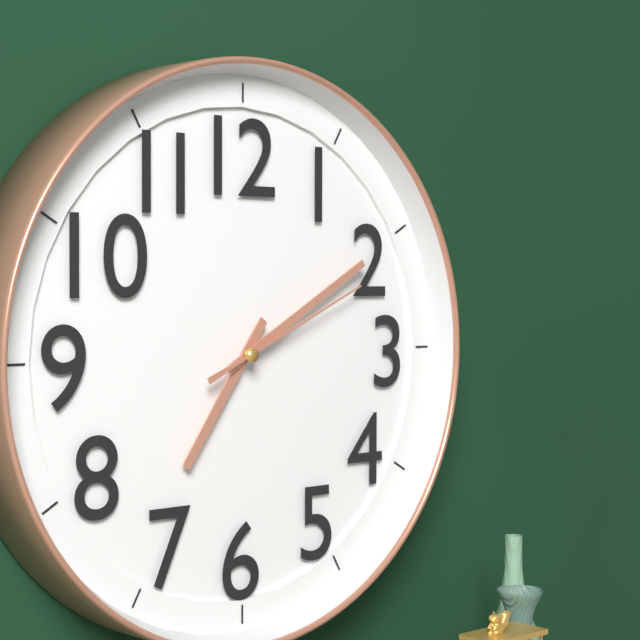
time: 7:10:11
